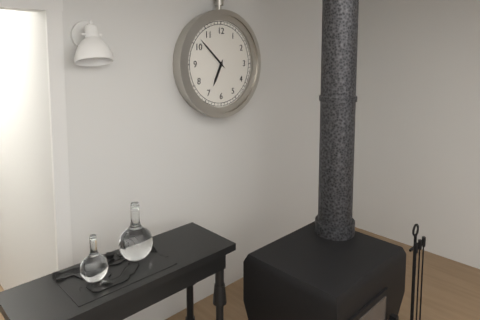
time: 6:52
